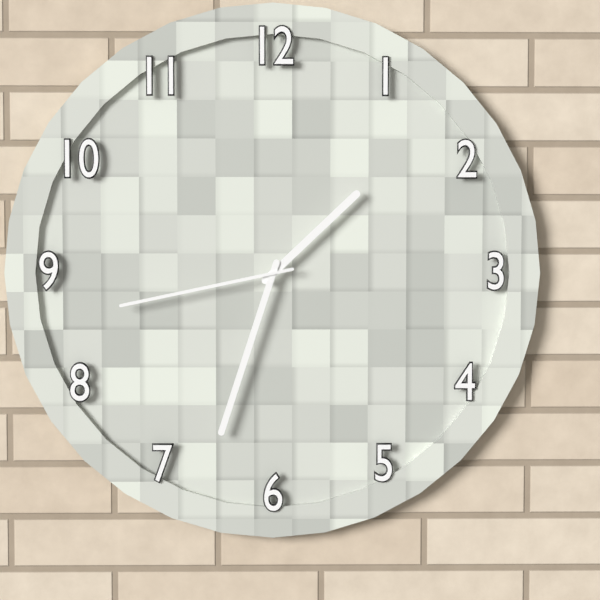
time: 1:33:43
